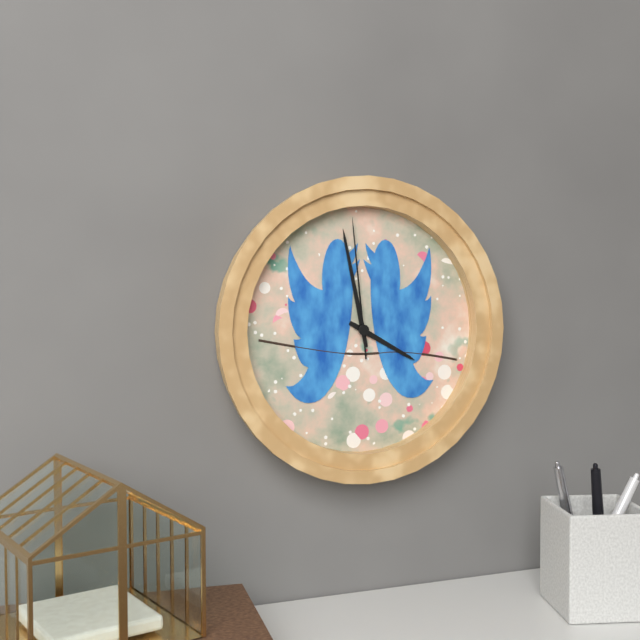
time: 3:58:59
